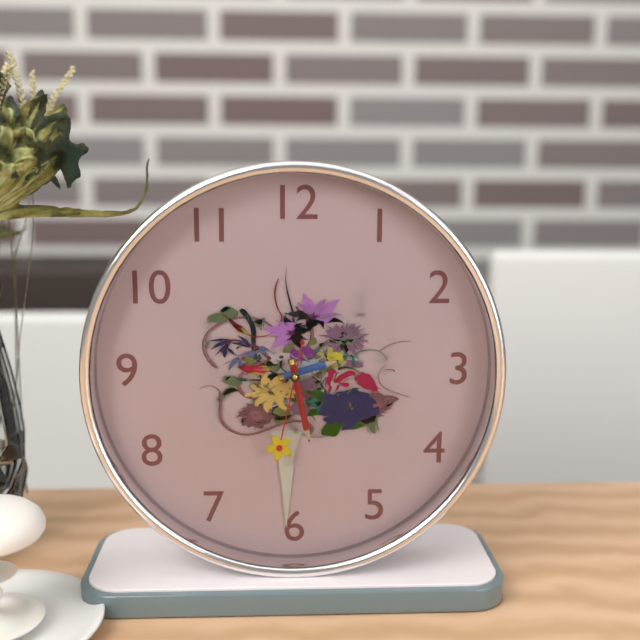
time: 2:28:32
